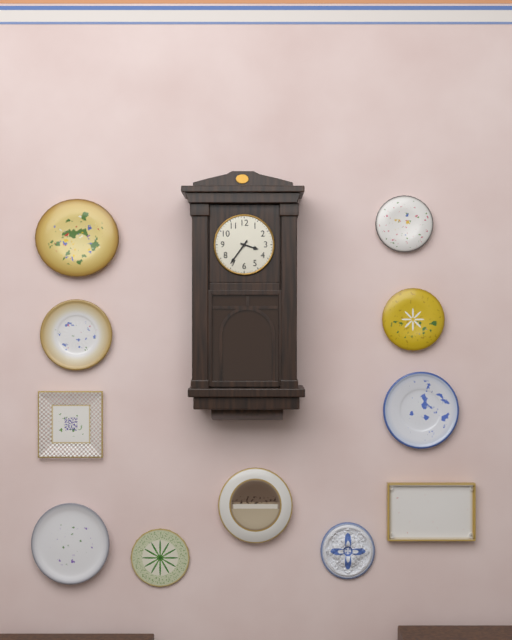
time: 3:36
